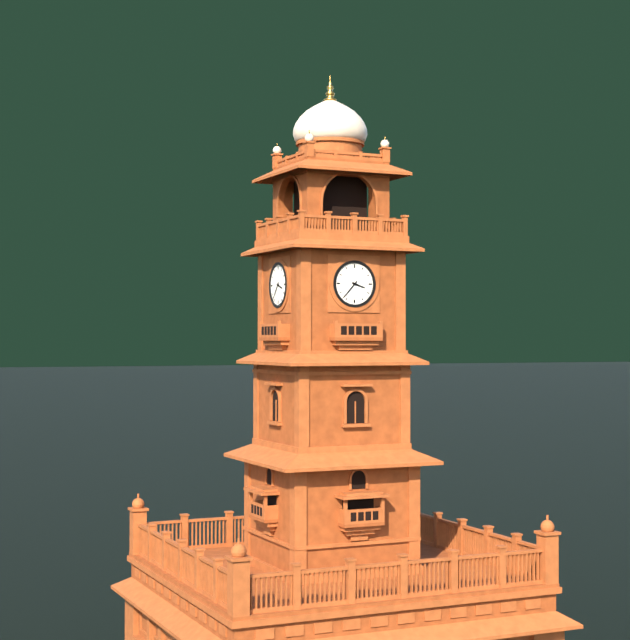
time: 3:37
